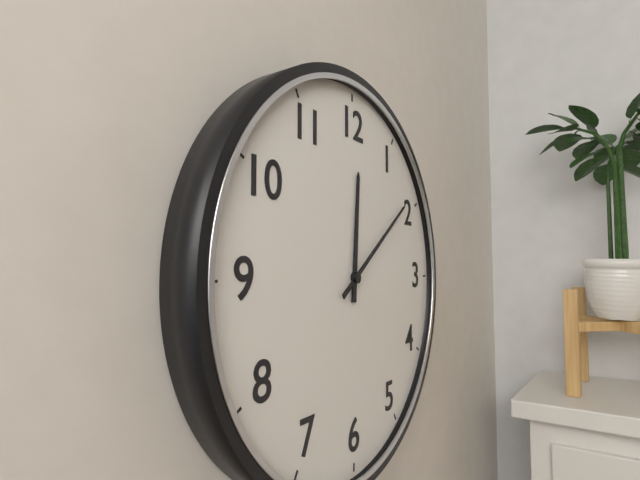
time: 12:09
